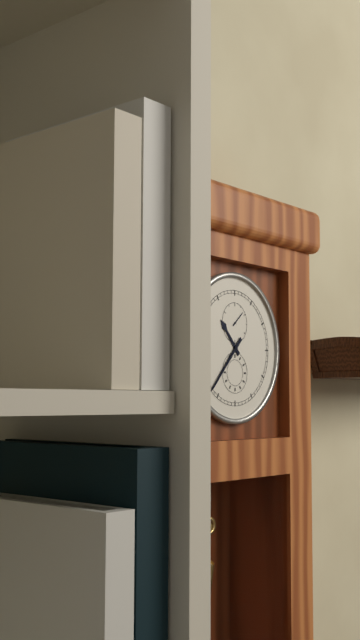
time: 10:37
